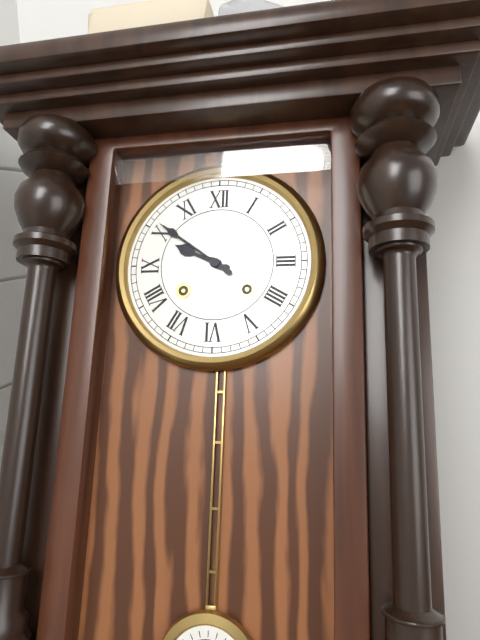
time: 9:51
